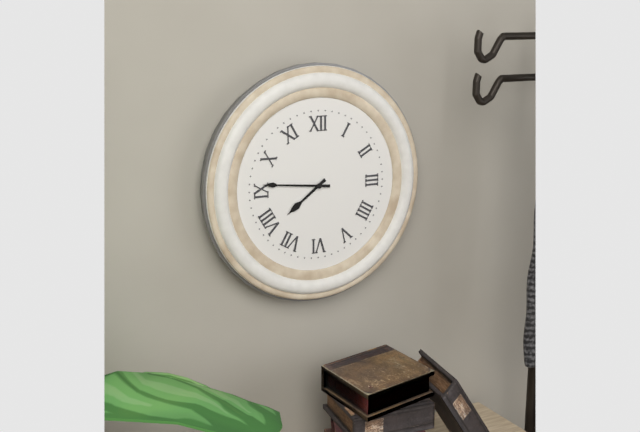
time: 7:46
